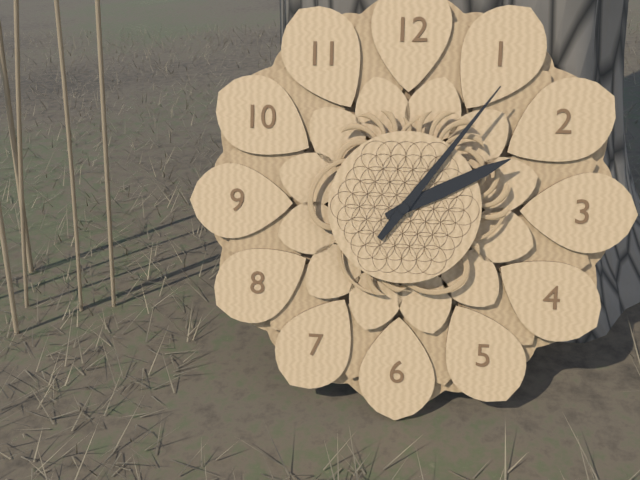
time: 2:06
